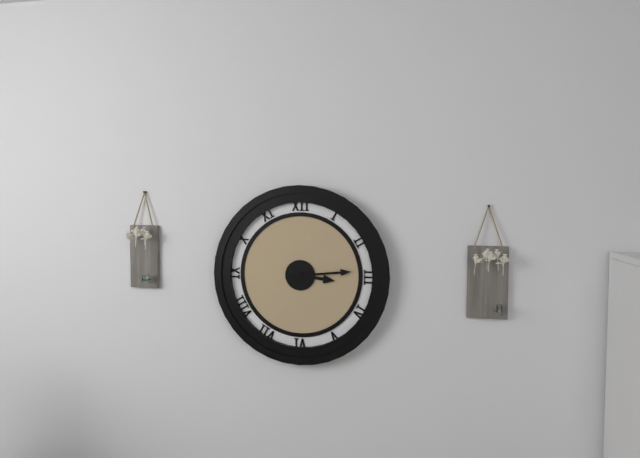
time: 3:14
